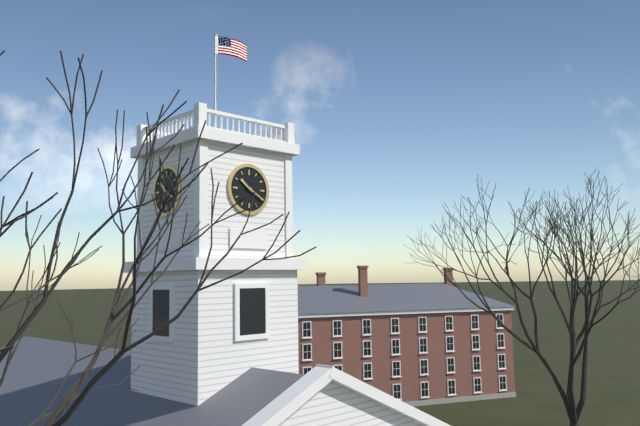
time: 10:20
